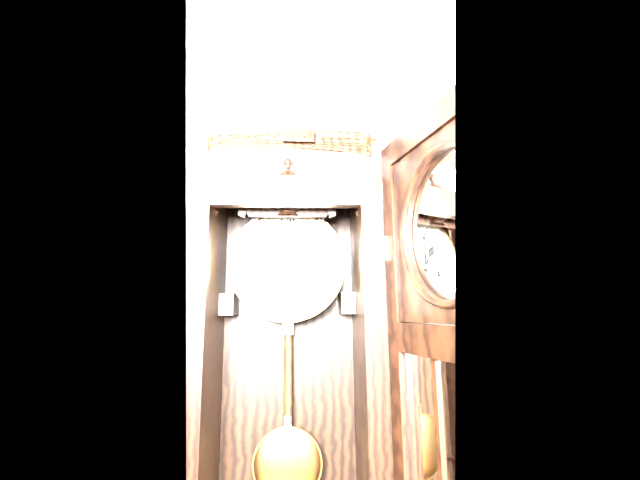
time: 11:00
